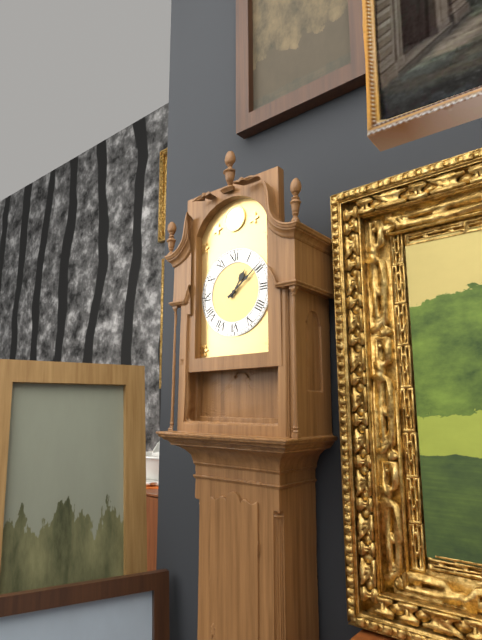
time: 1:09
